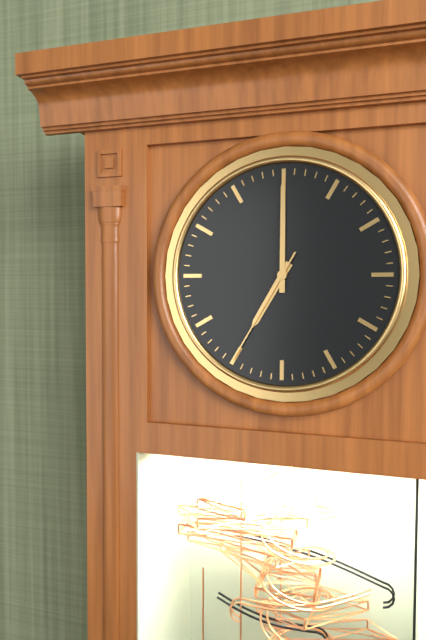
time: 7:00:35
